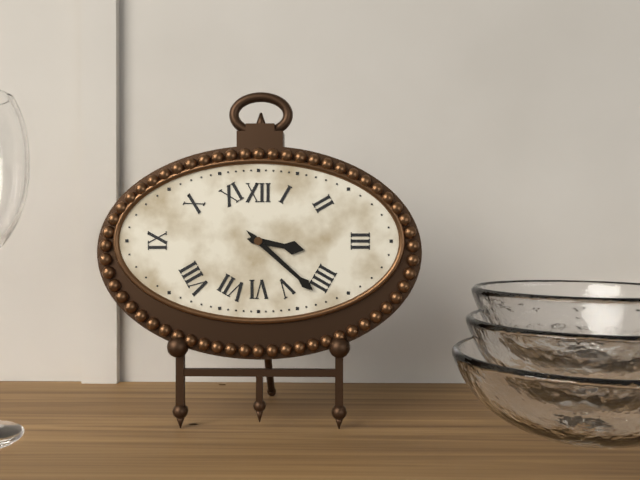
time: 3:22
